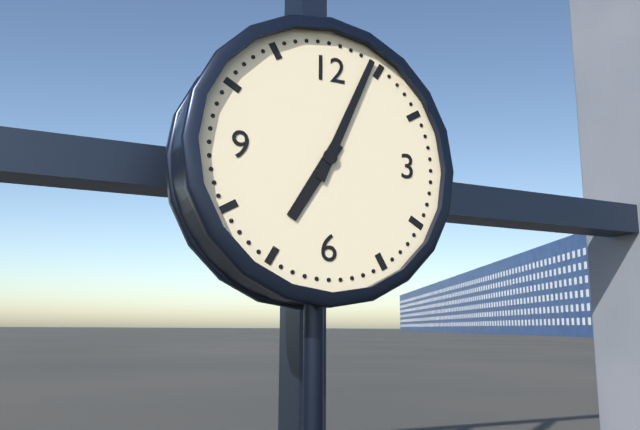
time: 7:04
